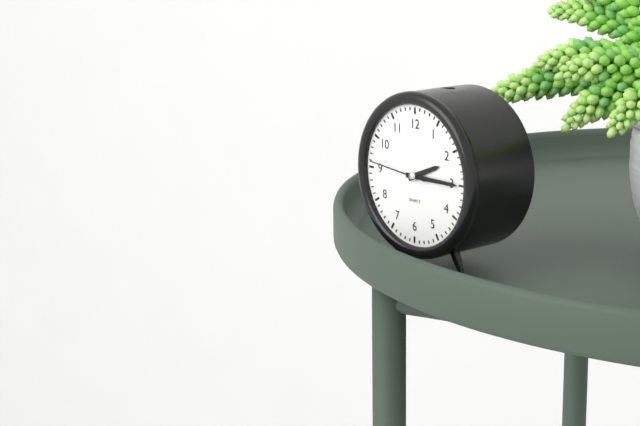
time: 2:15:46
